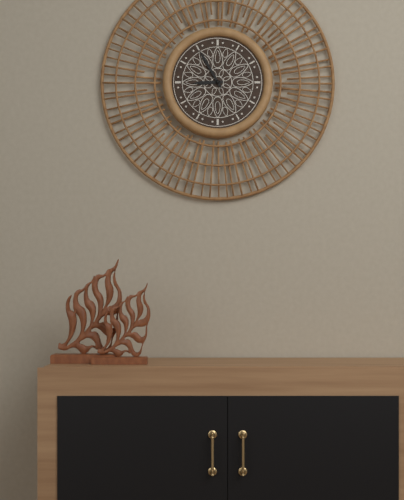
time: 8:55
